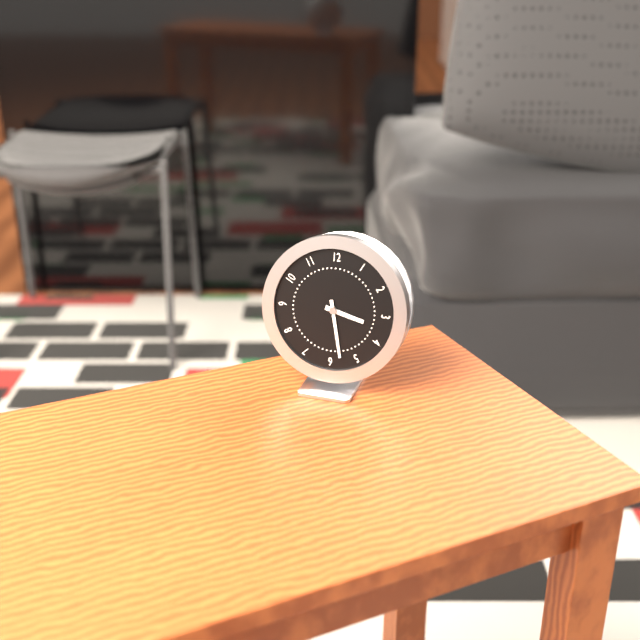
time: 3:28
